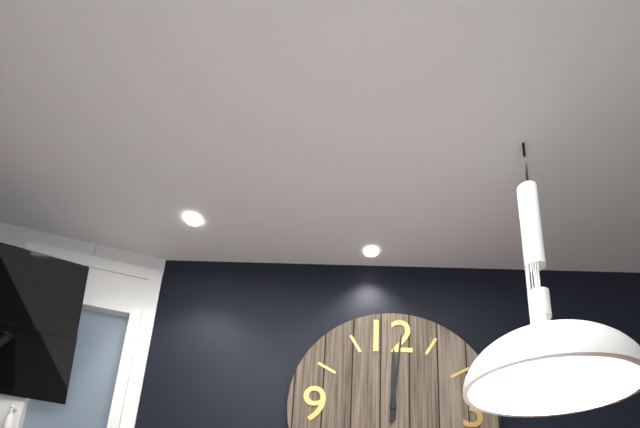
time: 12:01
